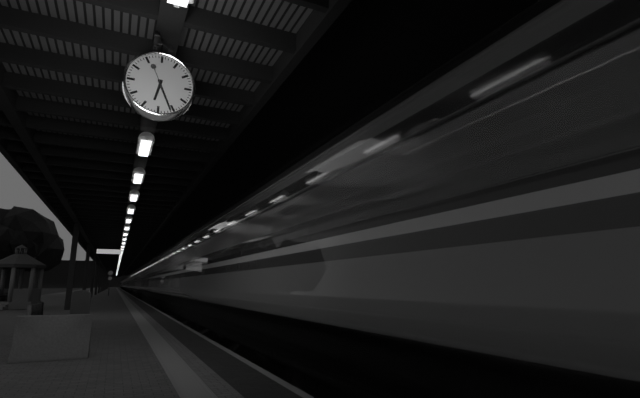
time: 6:26
